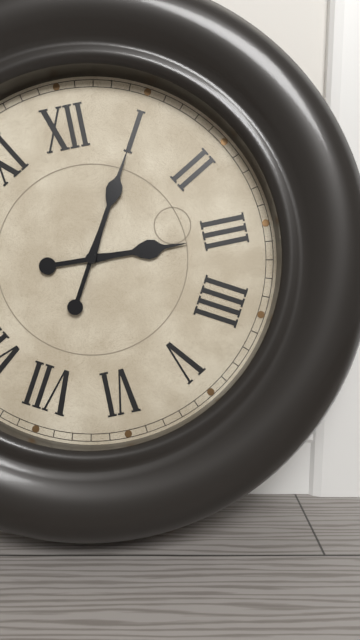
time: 3:05
